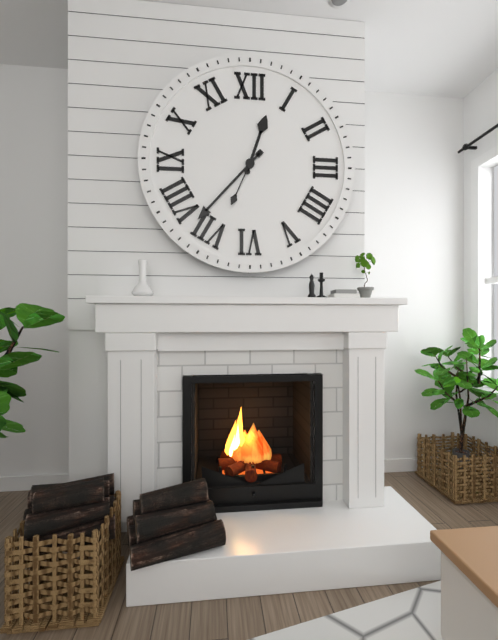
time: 12:37:34
